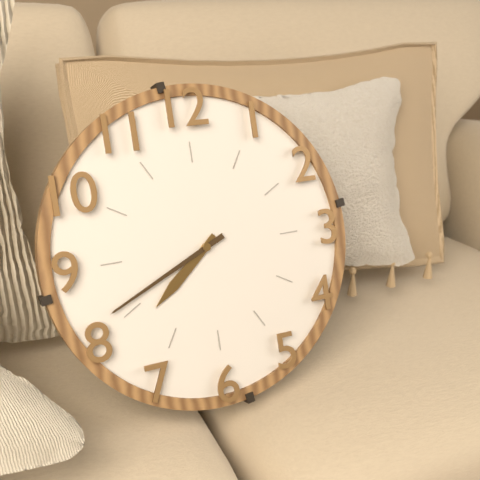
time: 7:41
